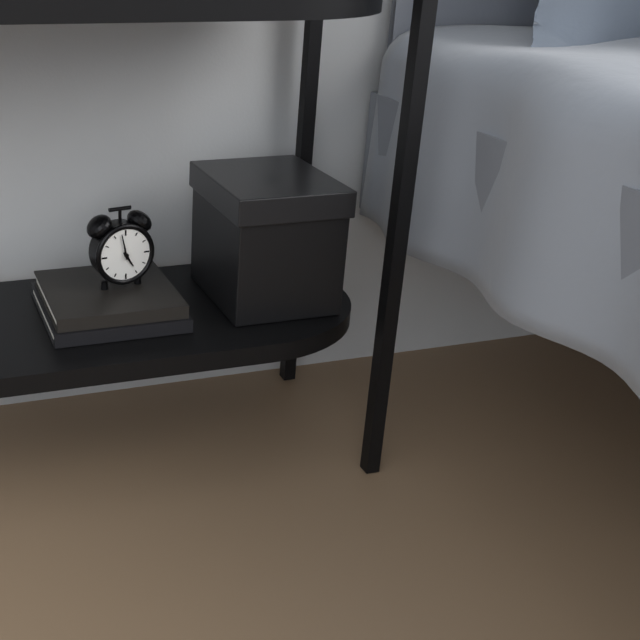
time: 4:58
